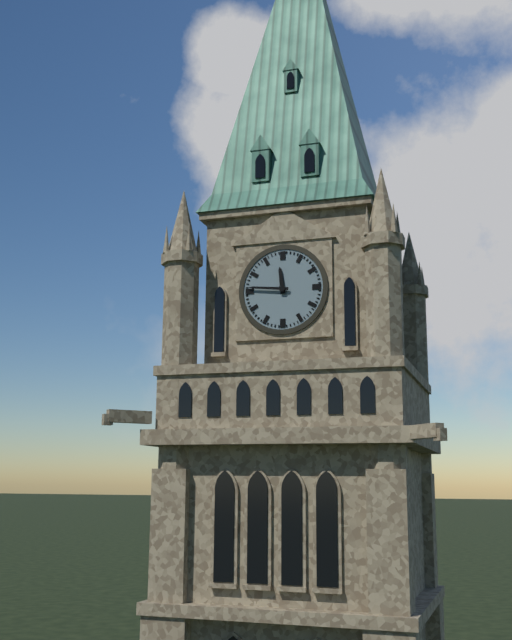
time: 11:46
